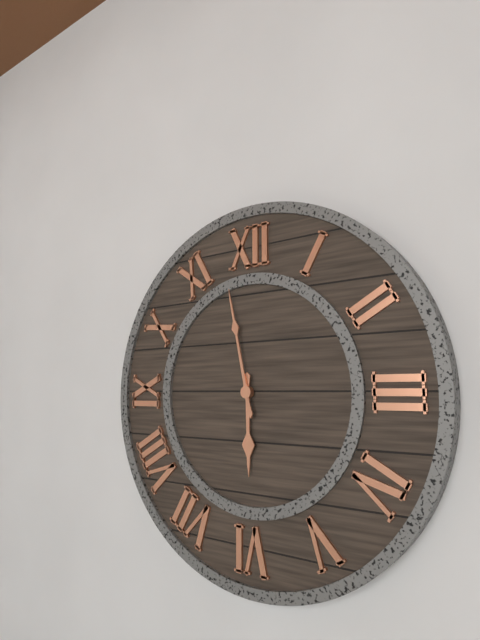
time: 5:58
